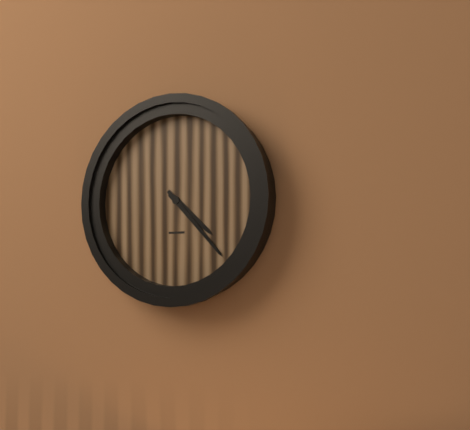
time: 4:23
